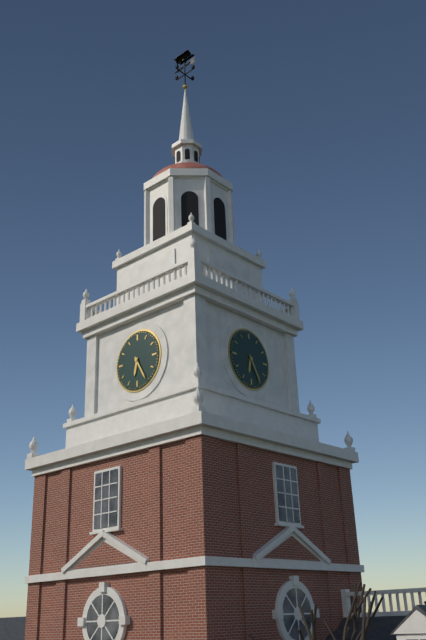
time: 6:25
